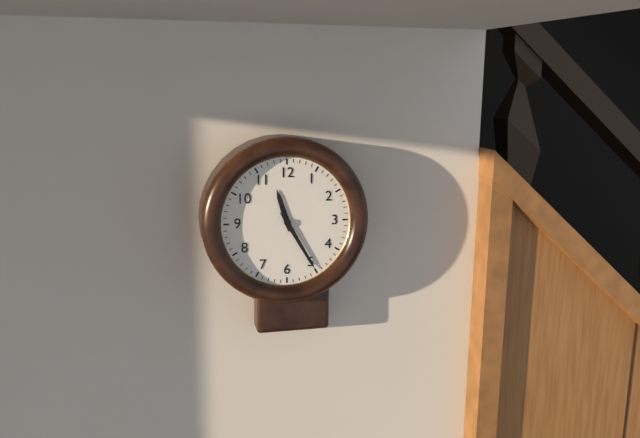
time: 11:25
